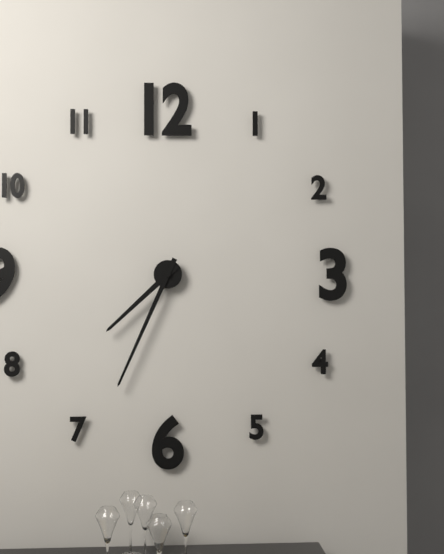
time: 7:34
